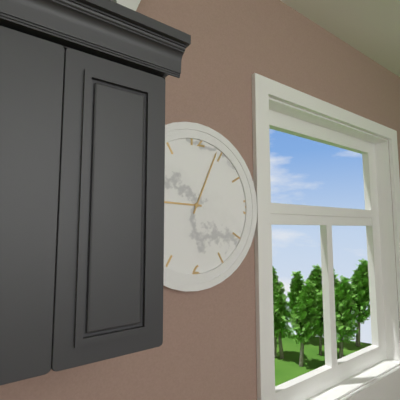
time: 9:04
